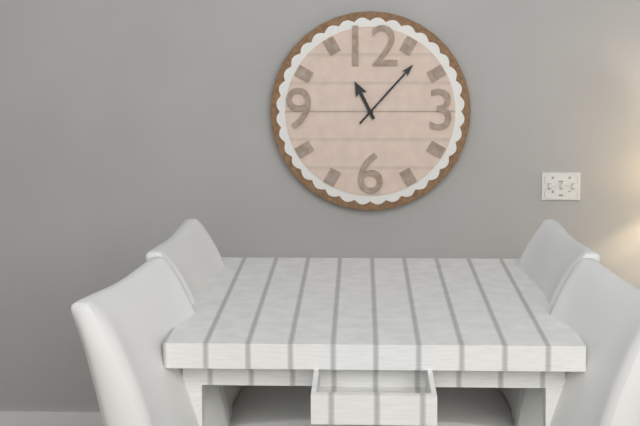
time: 11:07
